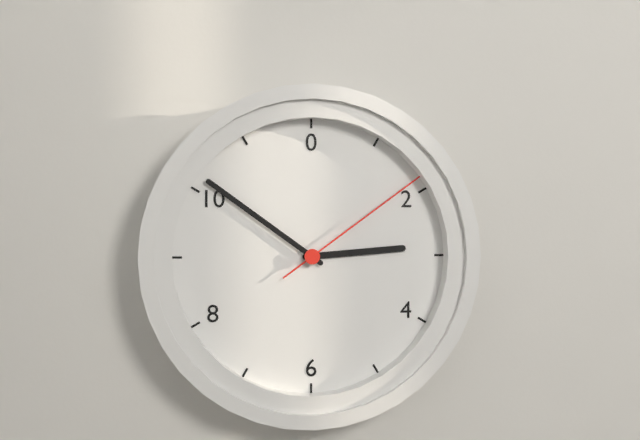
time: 2:51:09
